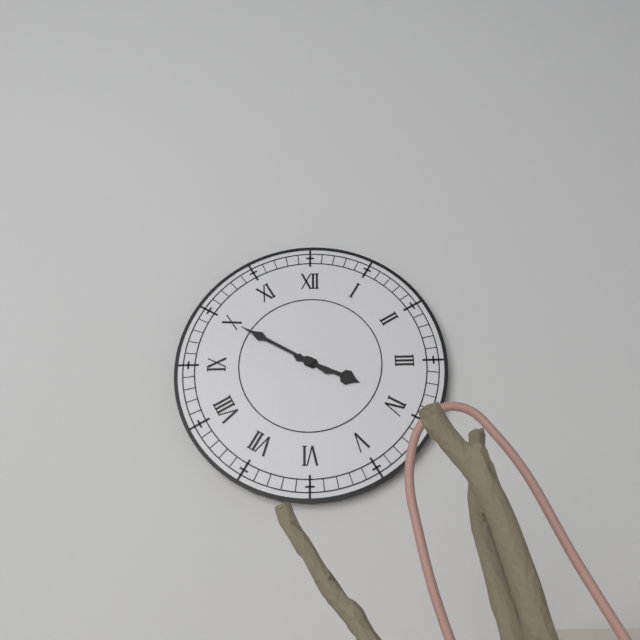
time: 3:50
